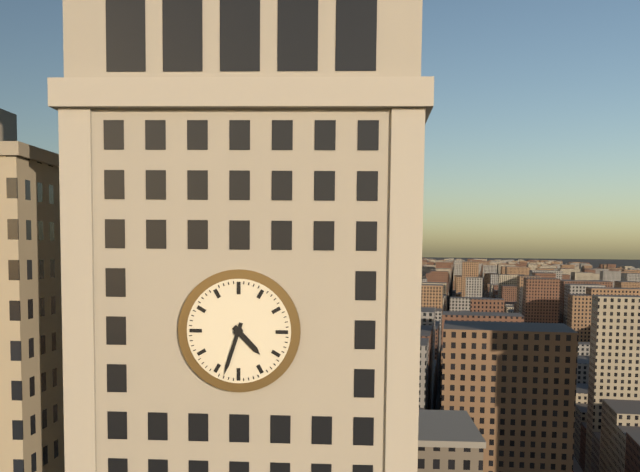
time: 4:33
